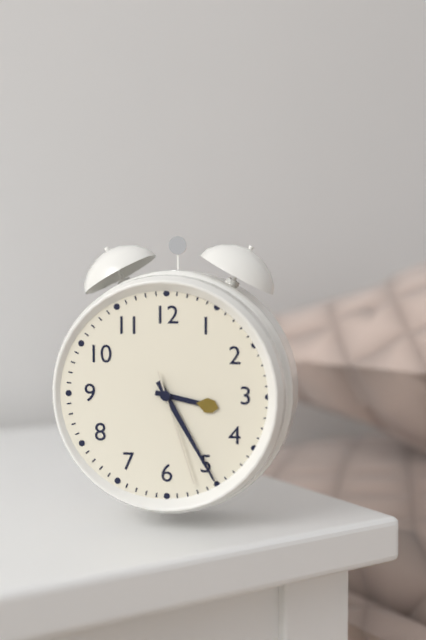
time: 3:25:27
